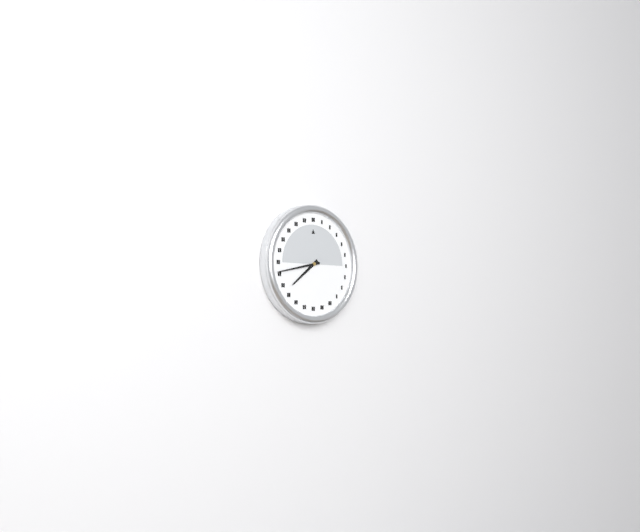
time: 7:43
